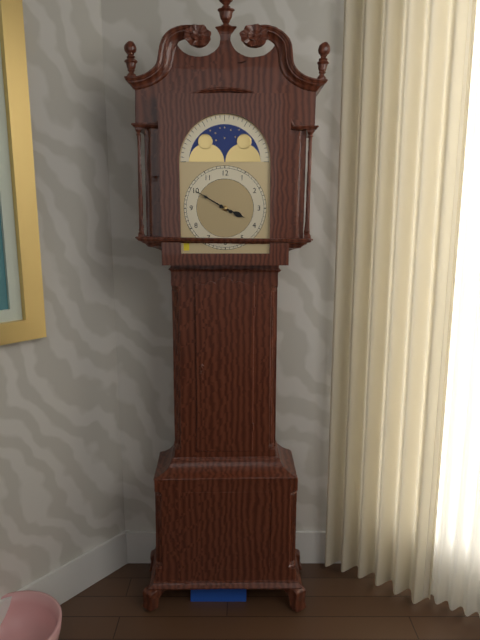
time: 3:50
